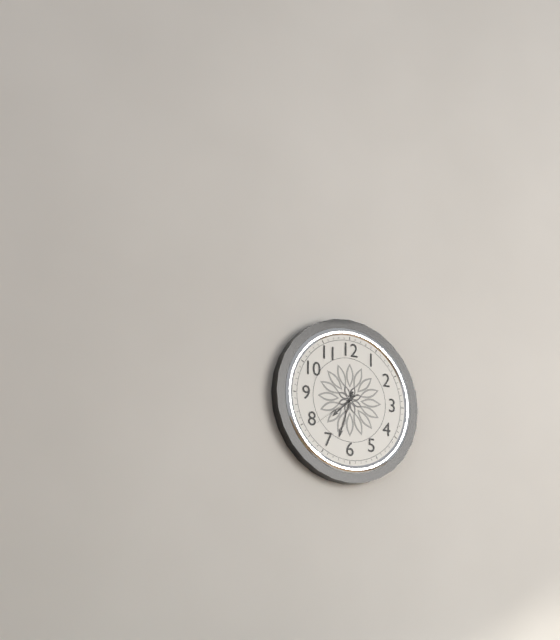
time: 7:33
